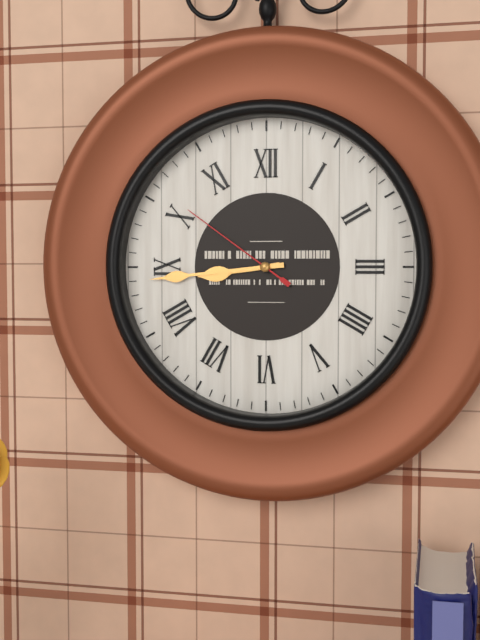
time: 8:44:51
